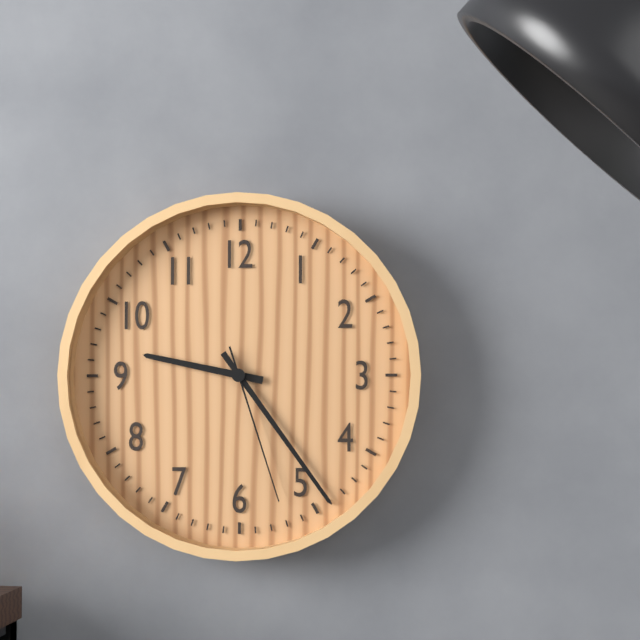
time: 9:24:27
